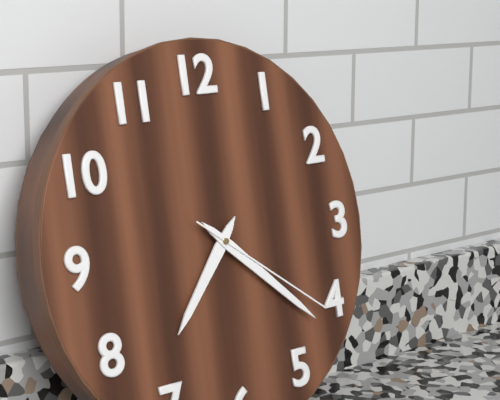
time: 7:22:21
